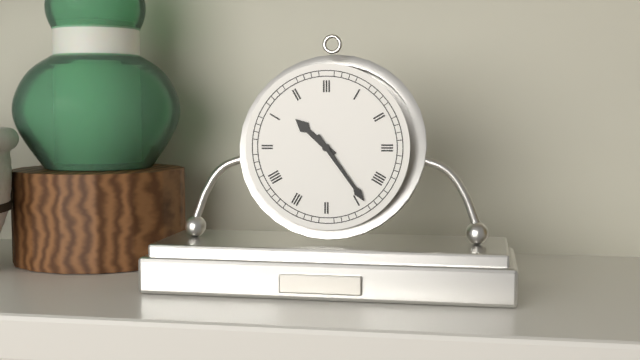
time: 10:24
